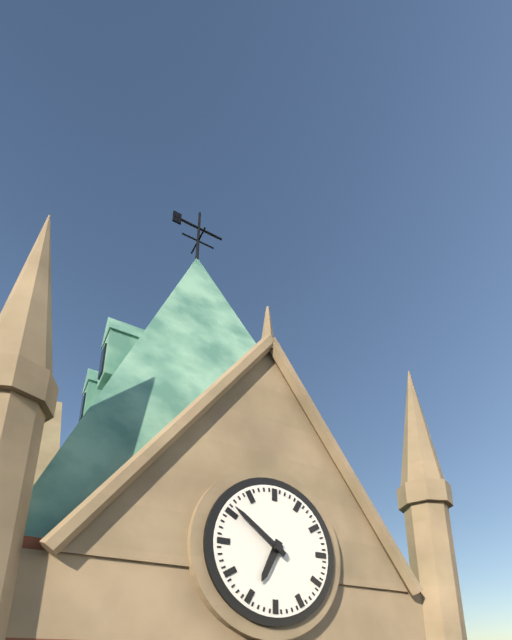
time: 6:51
